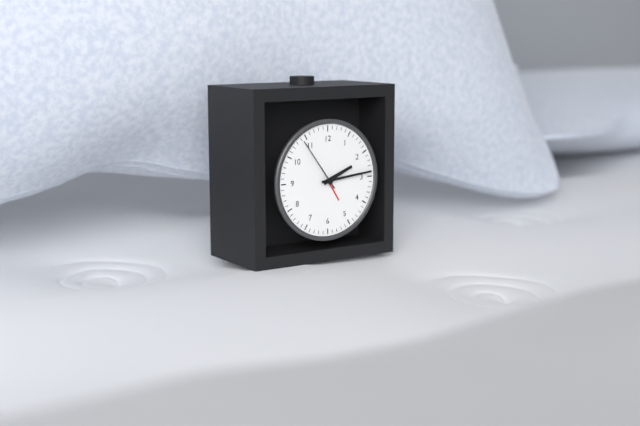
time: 2:14:54
